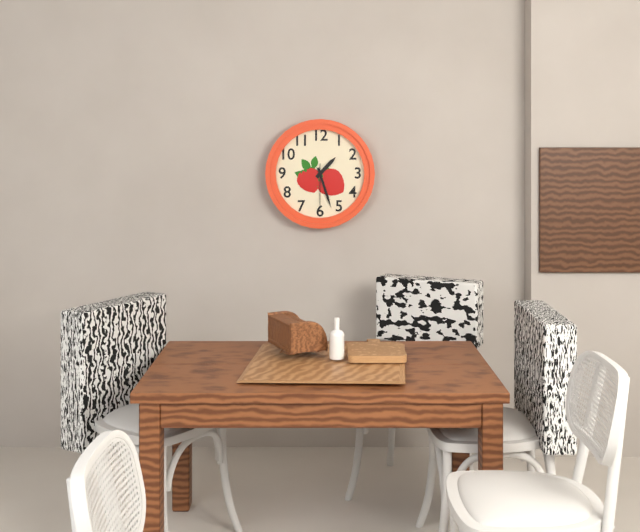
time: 1:27
